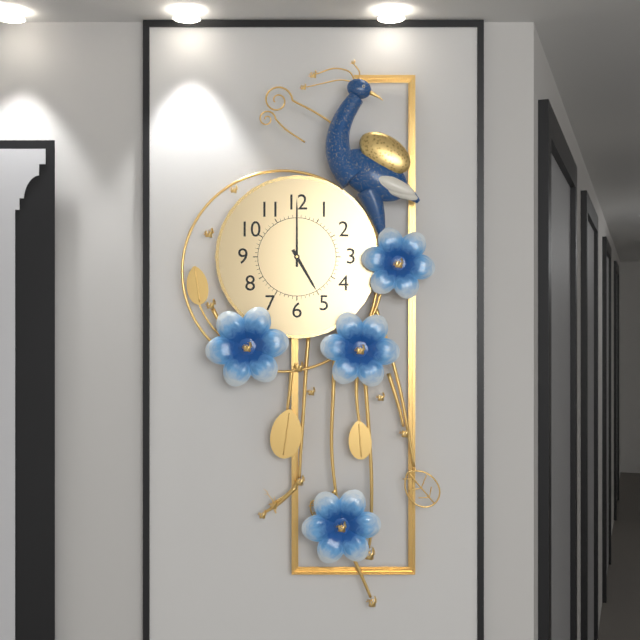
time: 5:00
